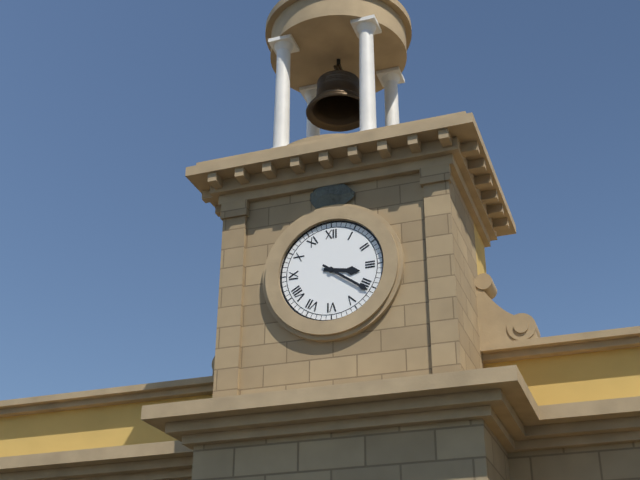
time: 3:21
